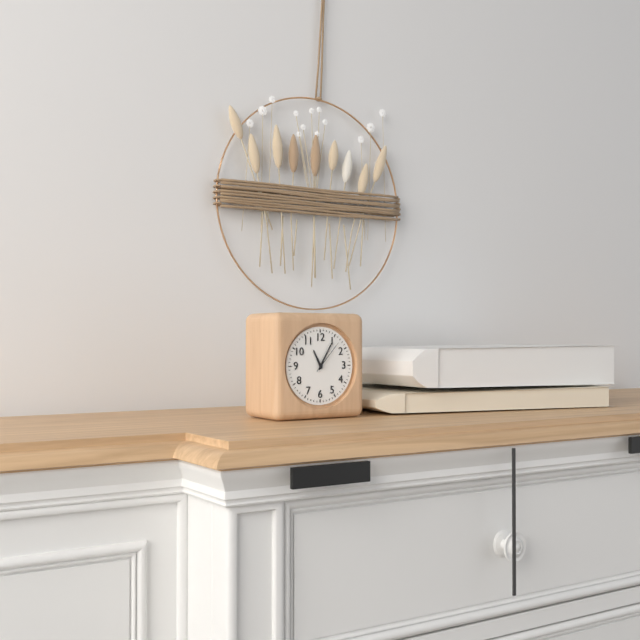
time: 11:05
